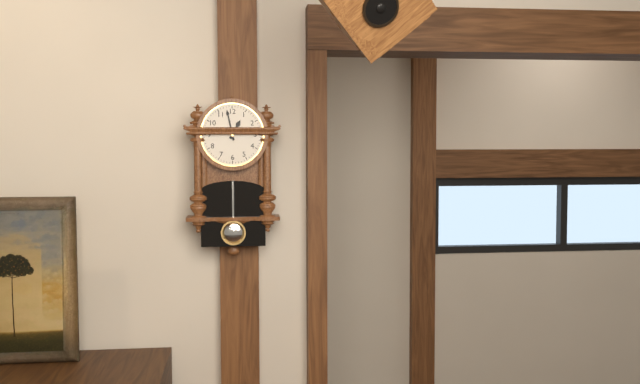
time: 12:58
